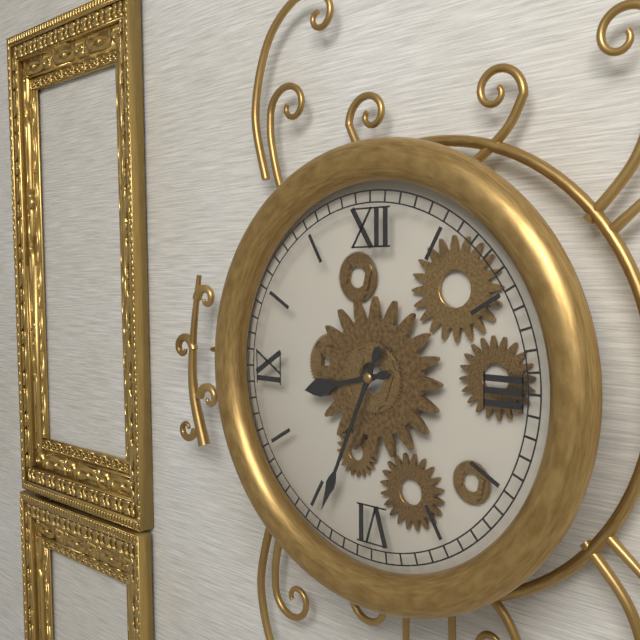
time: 8:34
